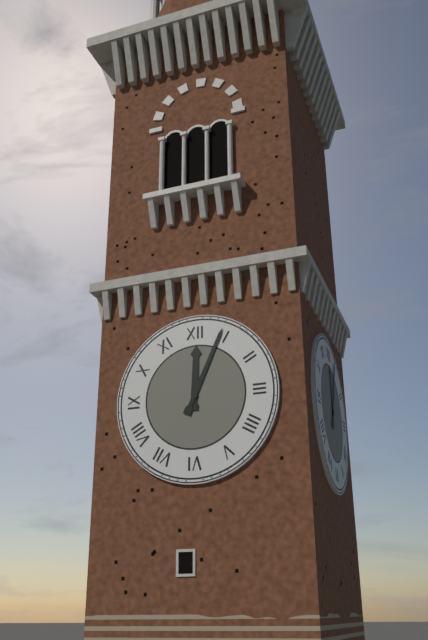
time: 12:04
